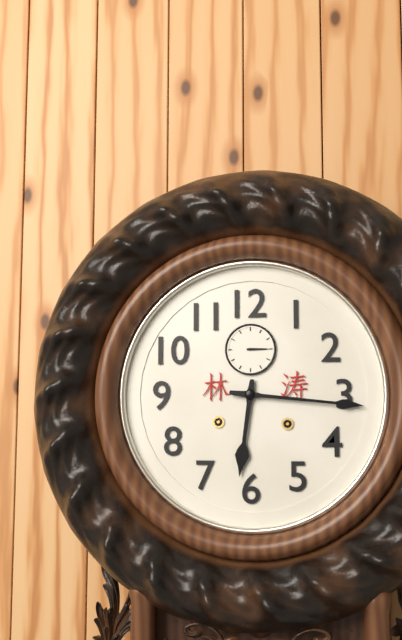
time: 6:16
